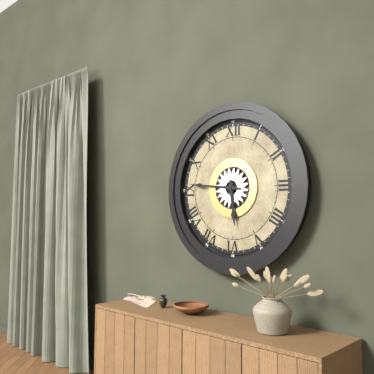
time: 5:46
